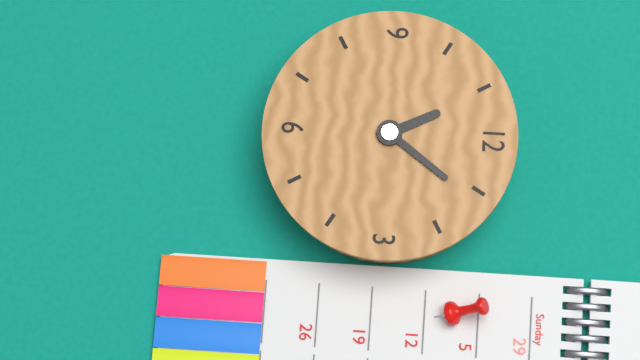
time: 11:06
